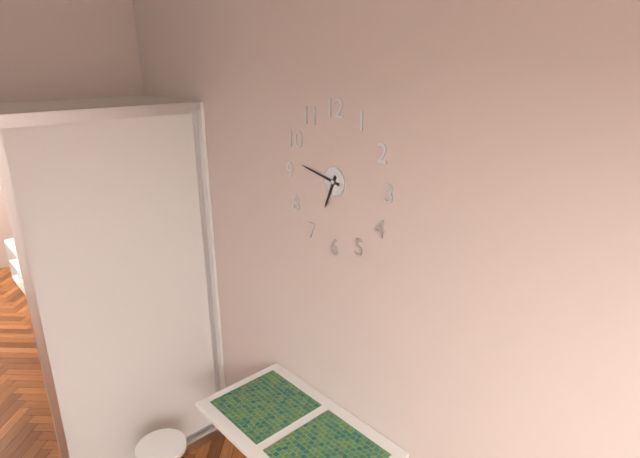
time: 6:47
